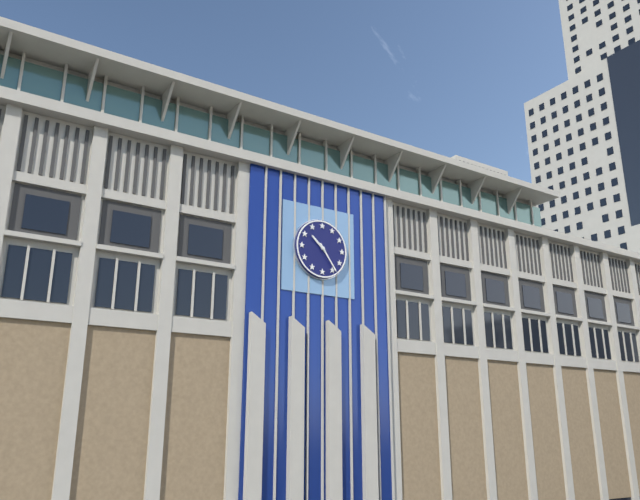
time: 10:24
